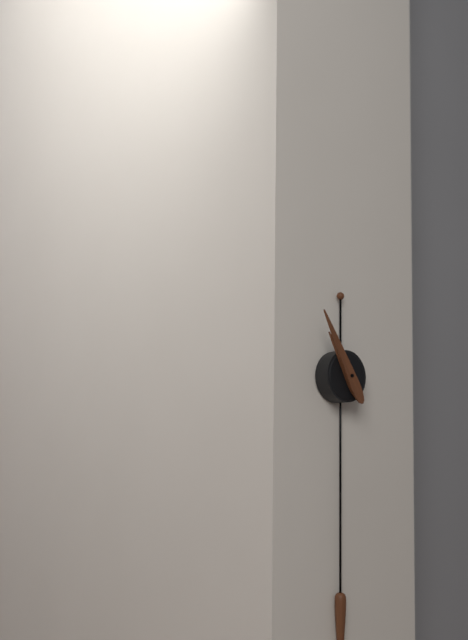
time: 10:55
